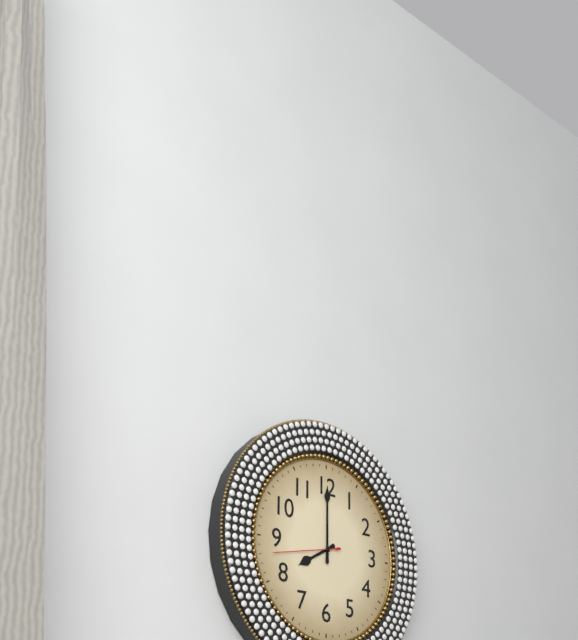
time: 8:00:43
